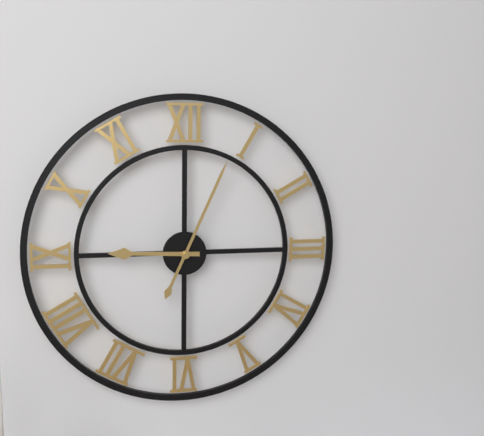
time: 9:04
